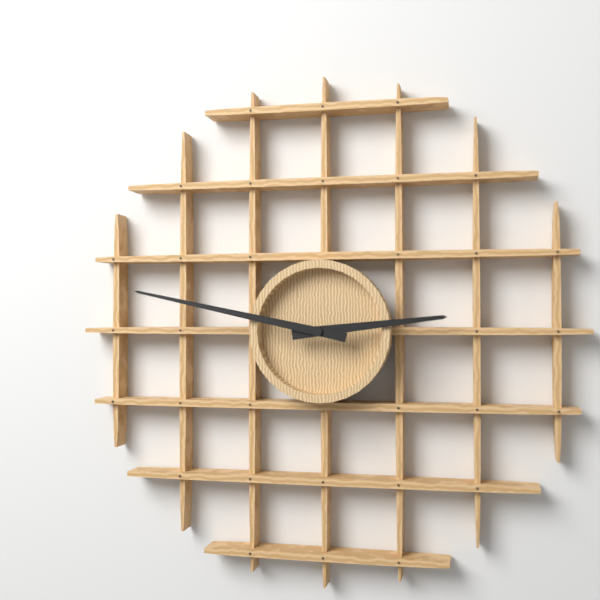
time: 2:47
